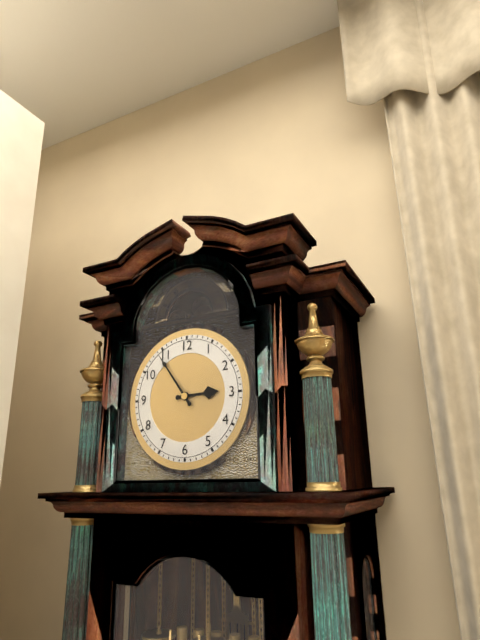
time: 2:54
